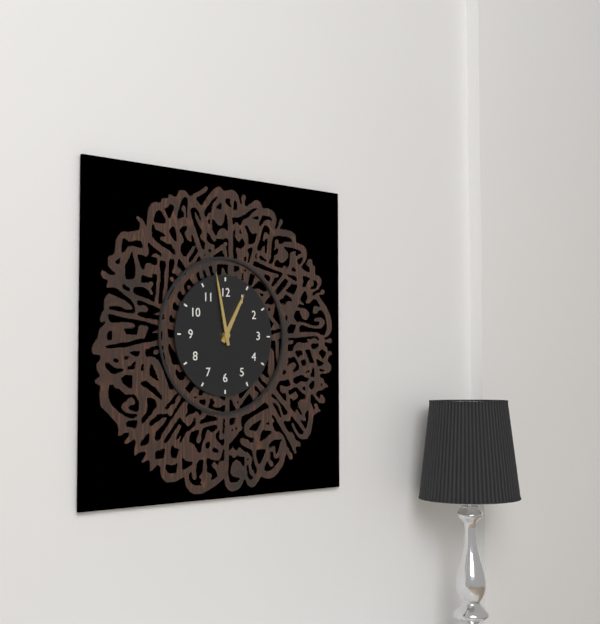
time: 12:58
